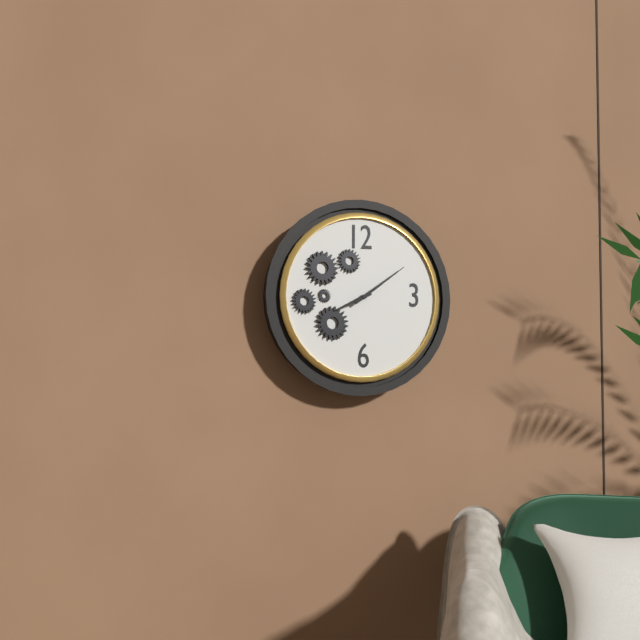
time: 8:09
